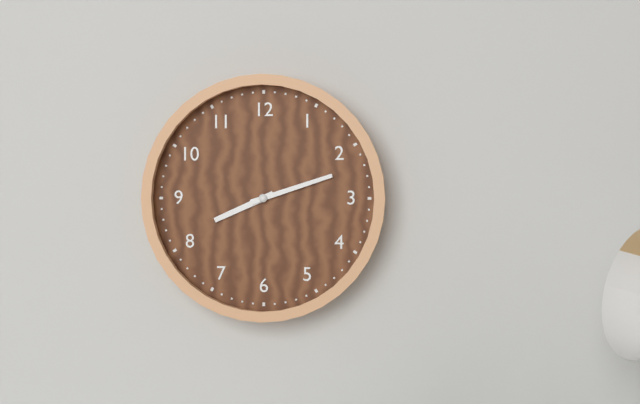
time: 8:12
